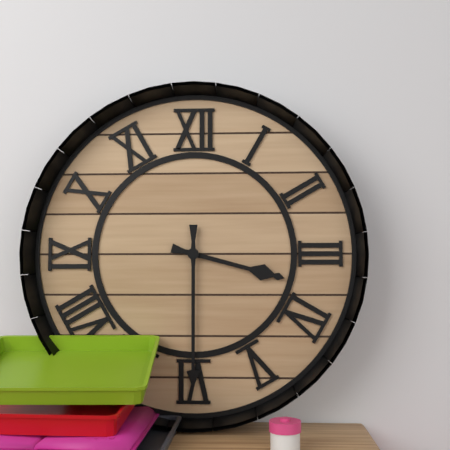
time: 3:30
